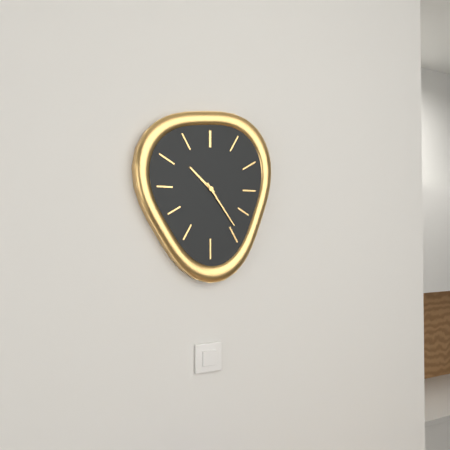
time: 10:24
